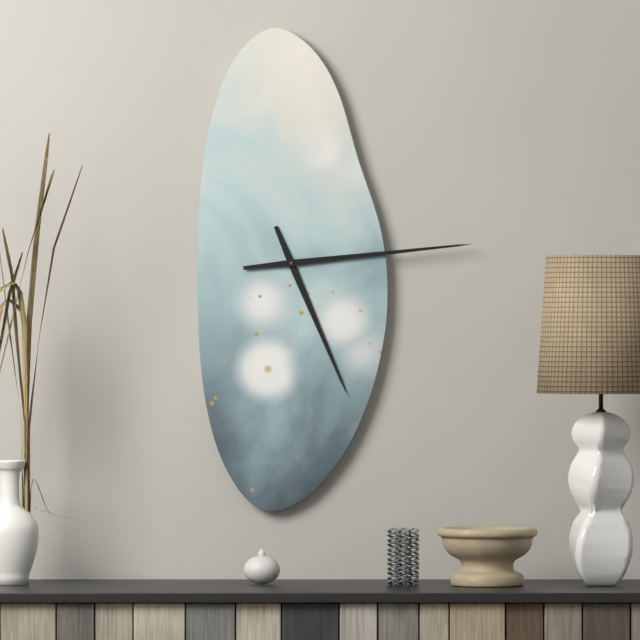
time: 5:14
